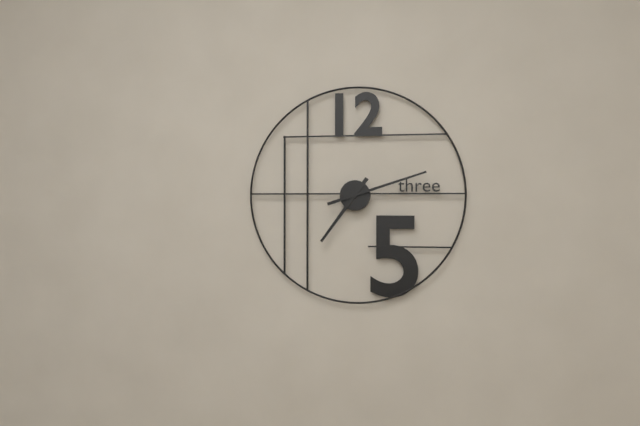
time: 7:12
